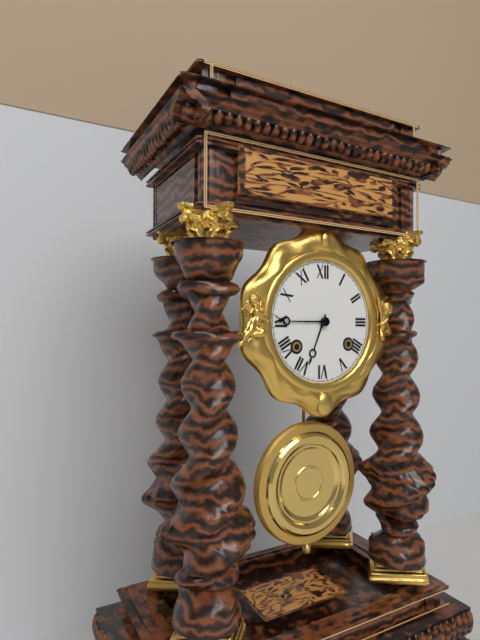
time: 6:45
